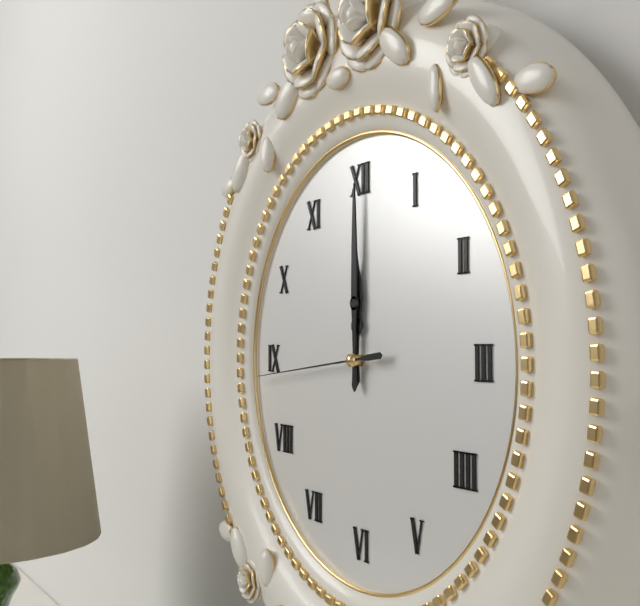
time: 12:00:44
